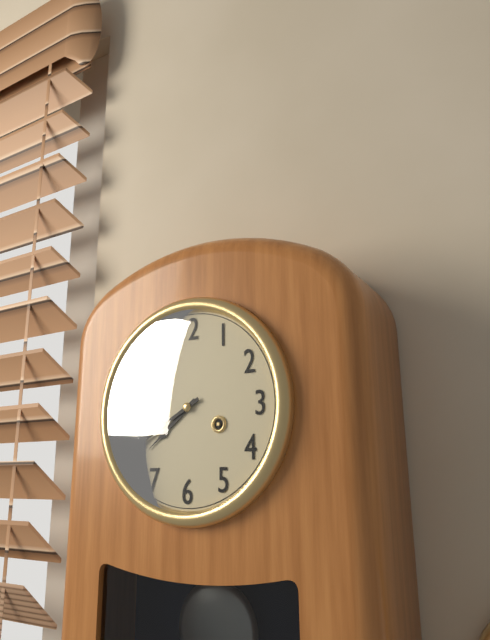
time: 7:40
